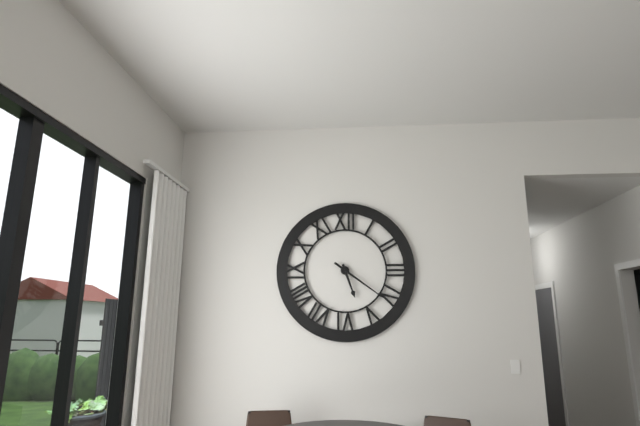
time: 5:21
